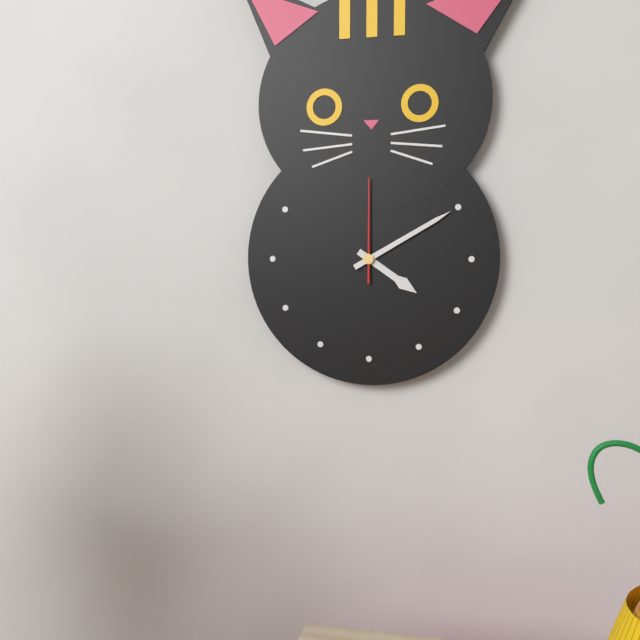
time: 4:10:00
